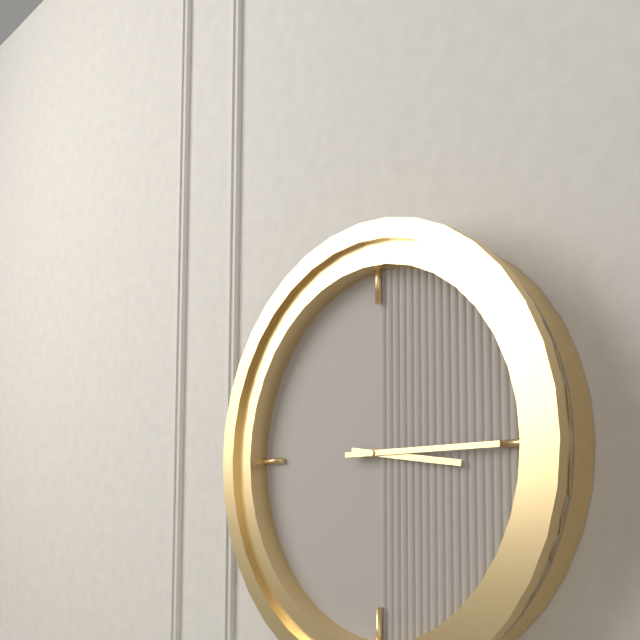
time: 3:15
